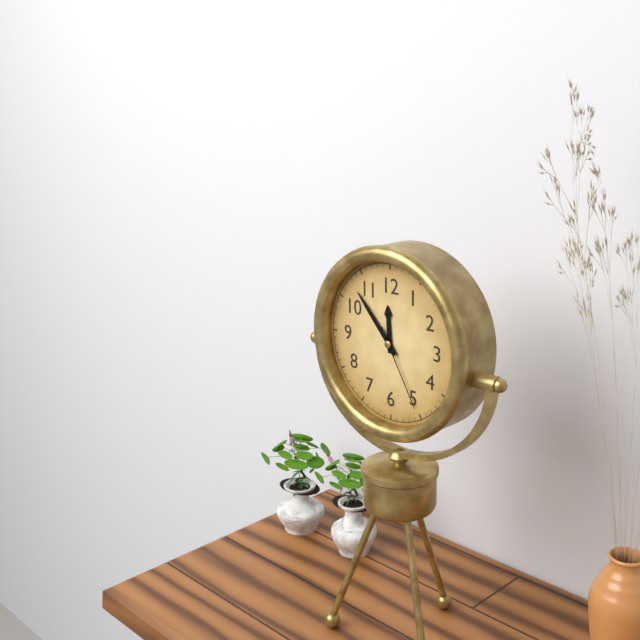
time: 11:53:25
